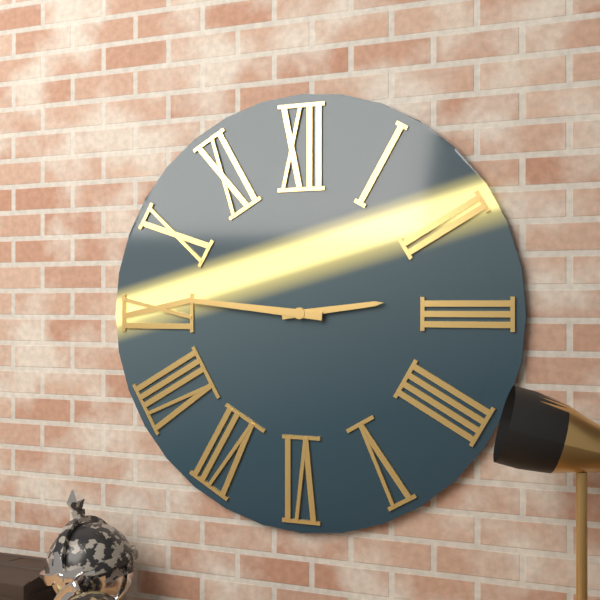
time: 2:46
